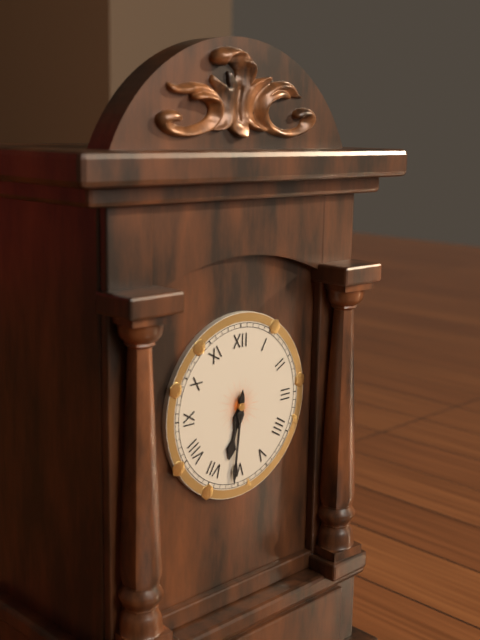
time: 6:31
